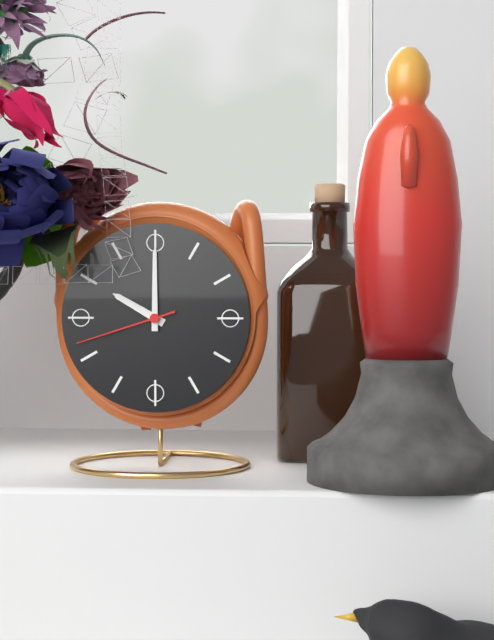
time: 10:00:42
